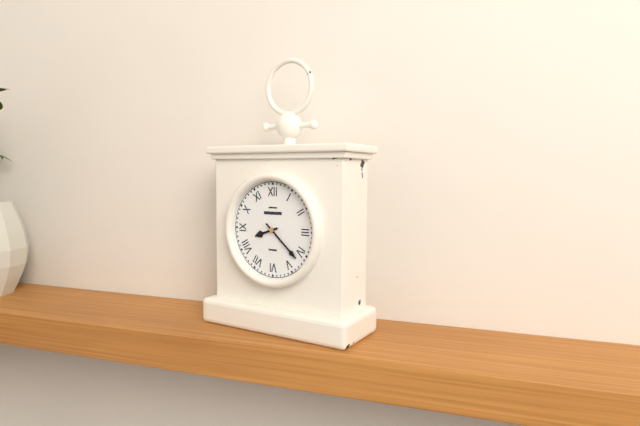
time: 8:22
